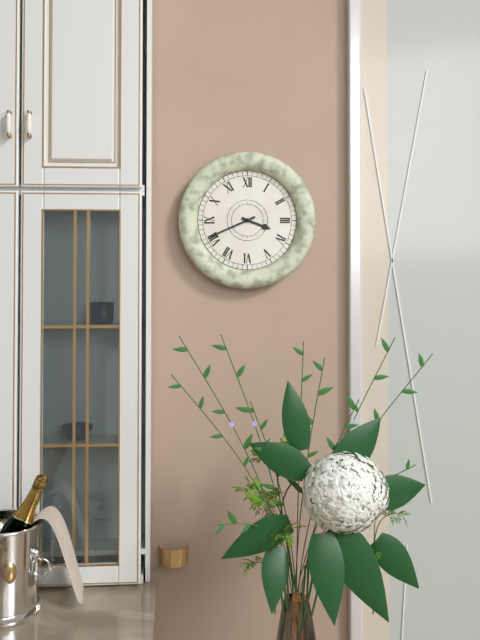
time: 3:41
